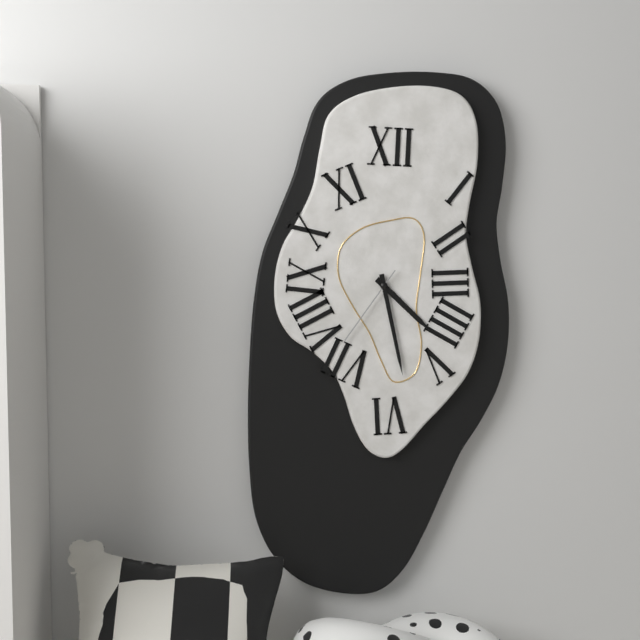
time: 4:28:36
